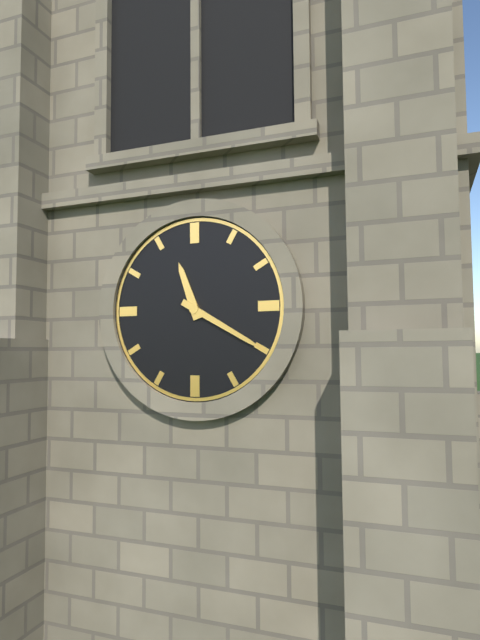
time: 11:20
